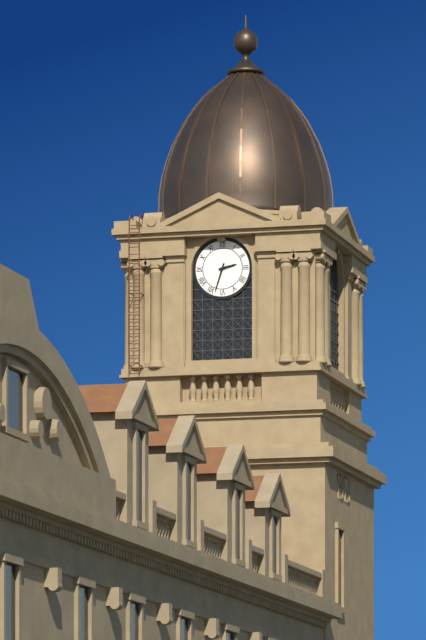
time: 2:33
